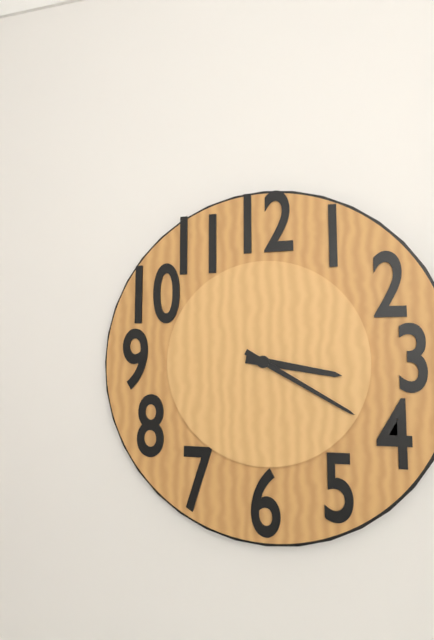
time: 3:20
